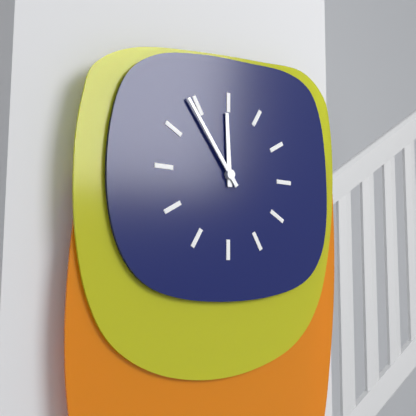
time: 11:54
